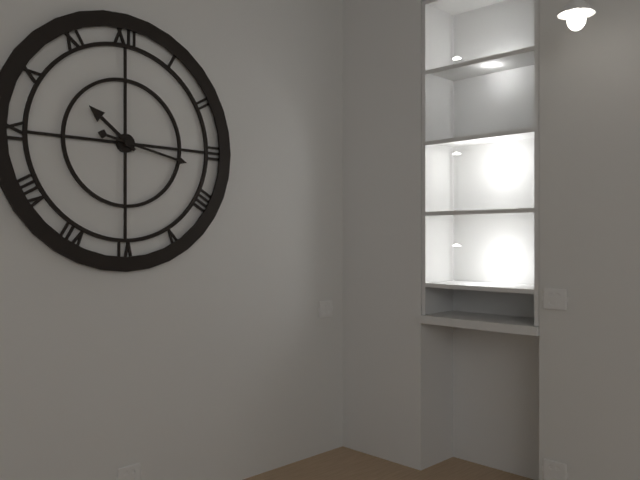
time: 10:17
